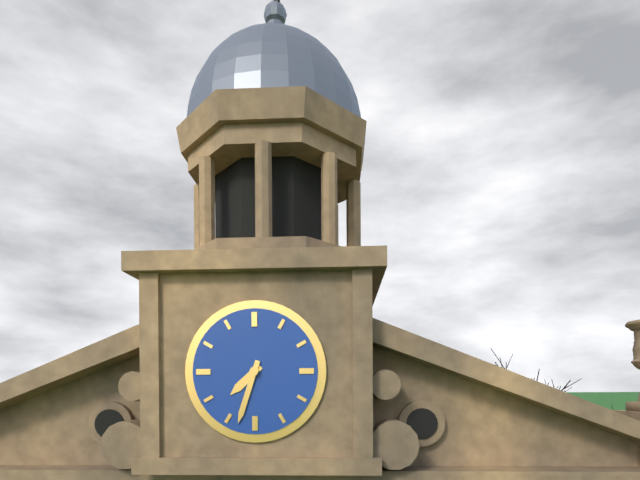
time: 7:33
